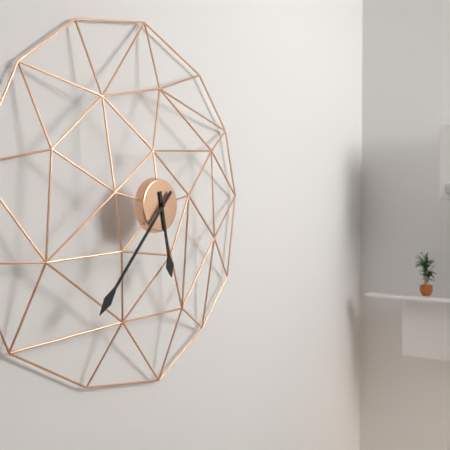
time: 5:37
